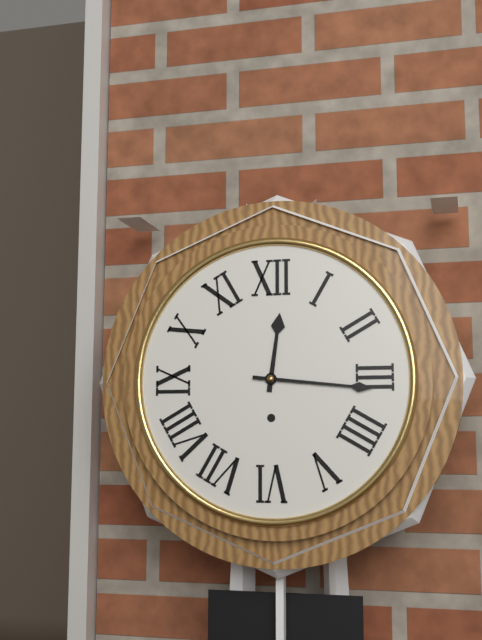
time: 12:16
